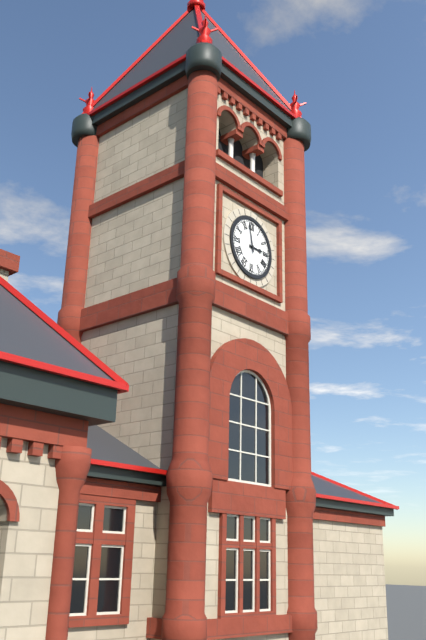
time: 2:58
